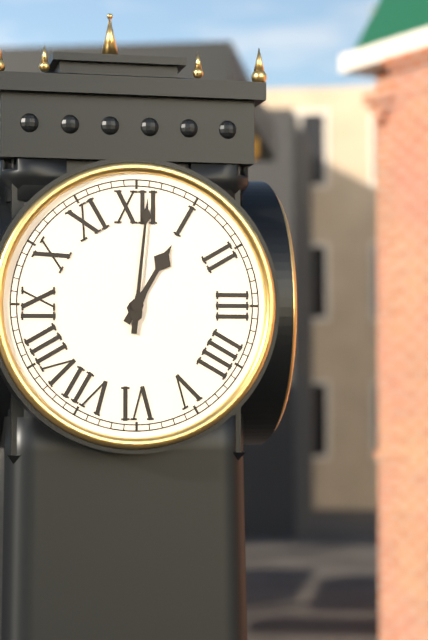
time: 1:01
